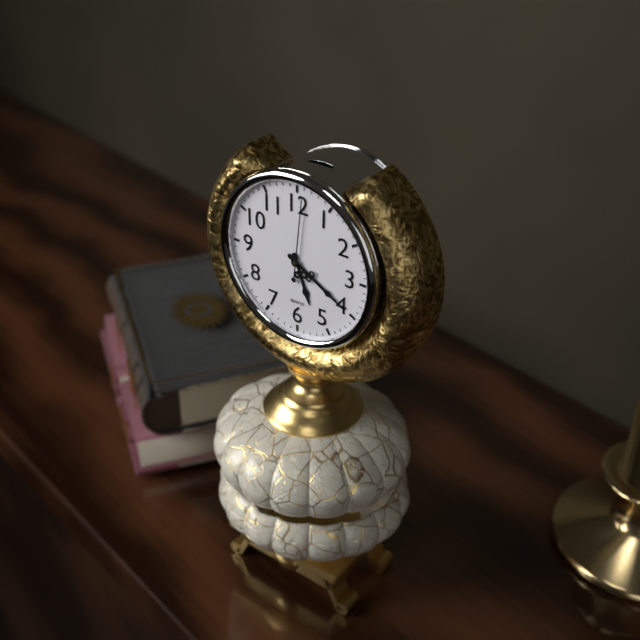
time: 5:20:01
